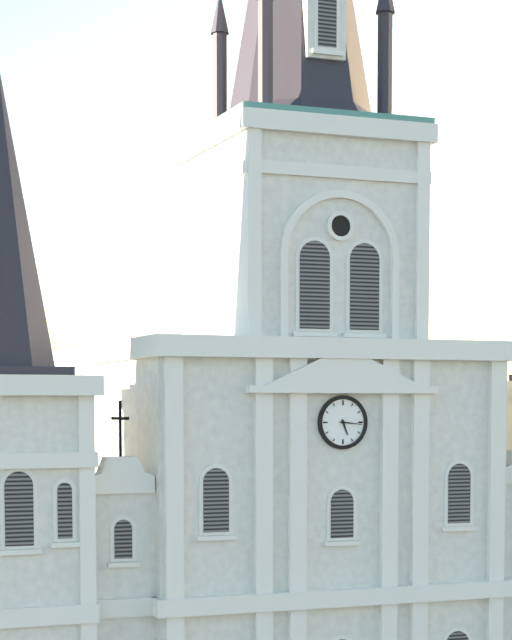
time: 5:16
